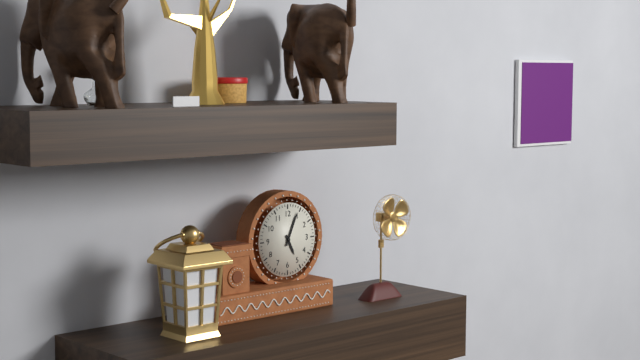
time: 5:04
